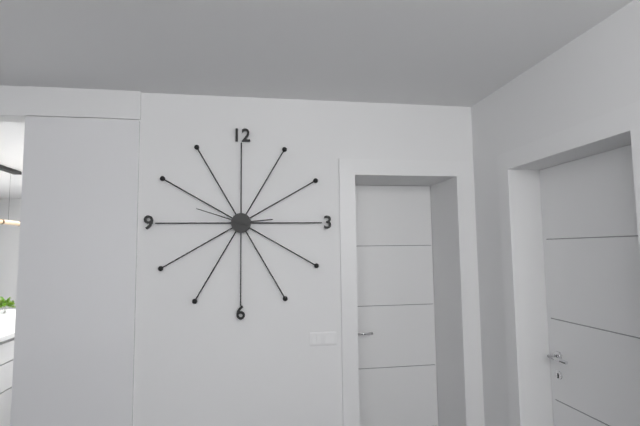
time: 2:48
